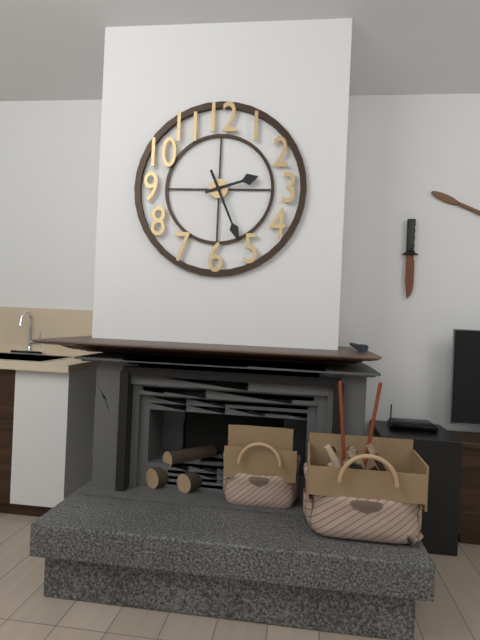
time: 2:26
